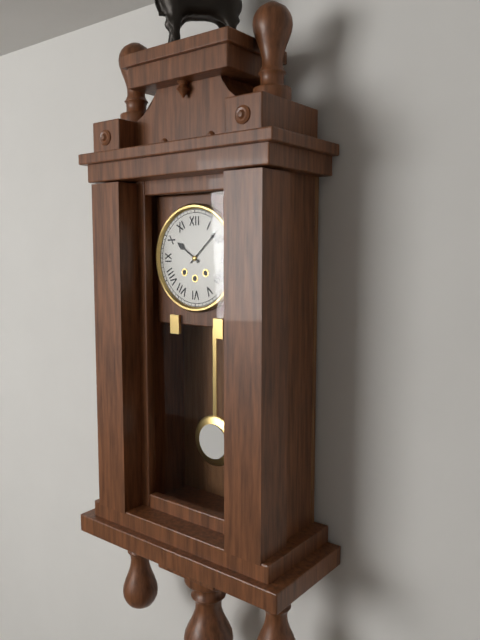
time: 10:08
